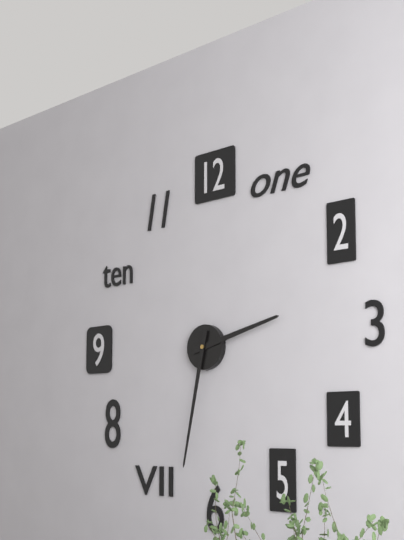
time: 2:32
